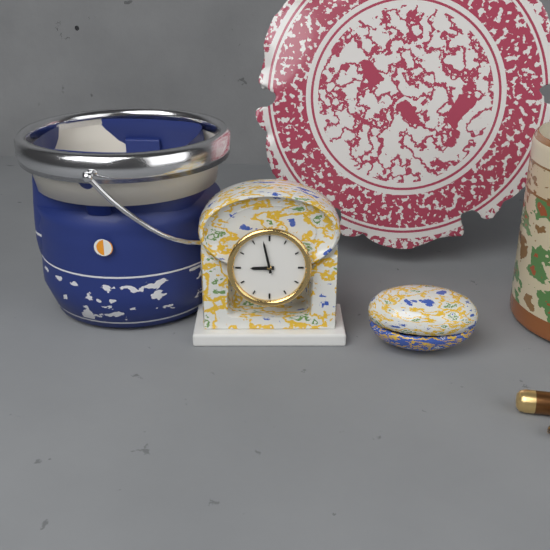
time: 8:58
